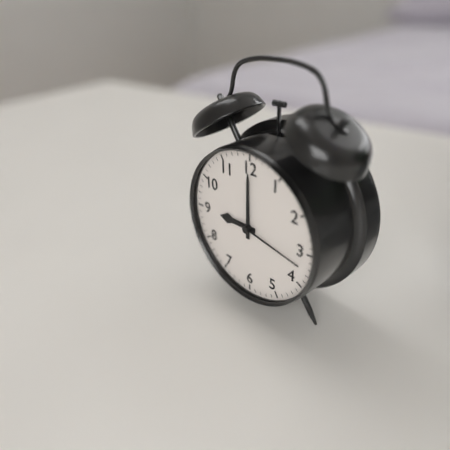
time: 9:00:17
